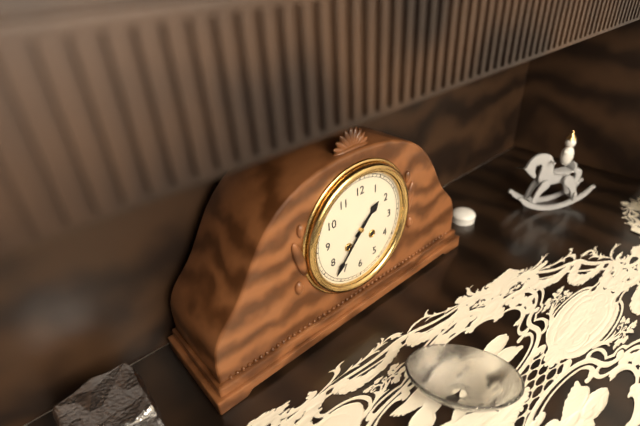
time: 1:37
